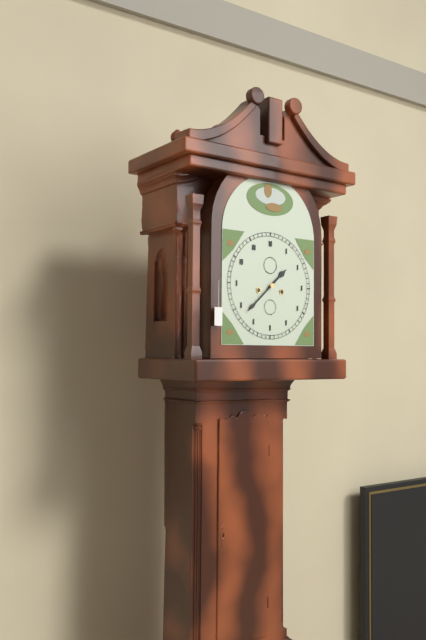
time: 1:38
